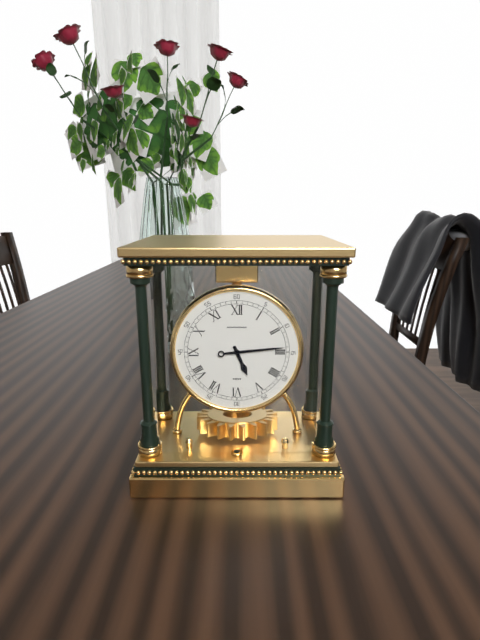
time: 5:14
